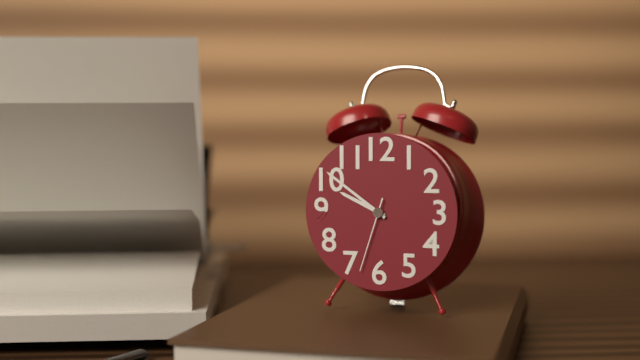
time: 9:51:33
